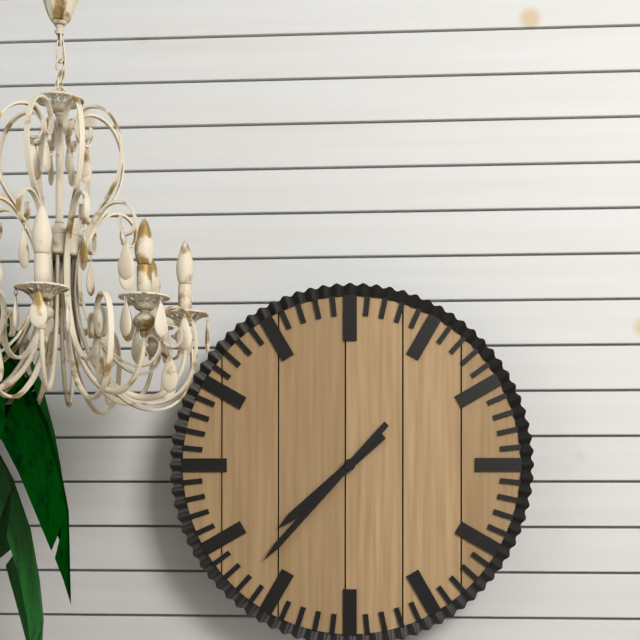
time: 7:37
